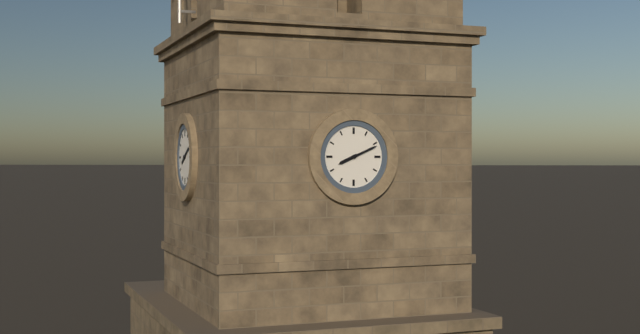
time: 8:11
